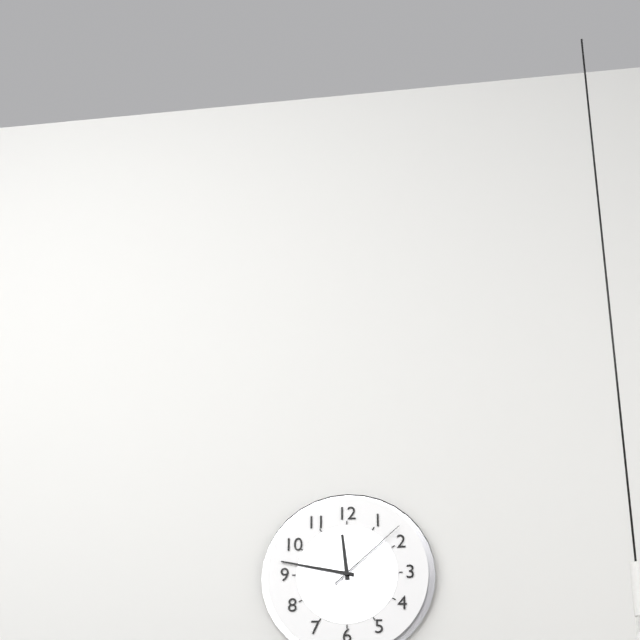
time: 11:47:08
